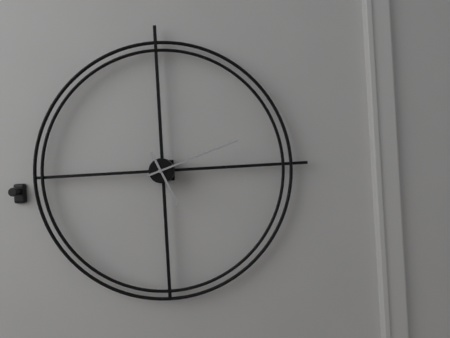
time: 5:12
